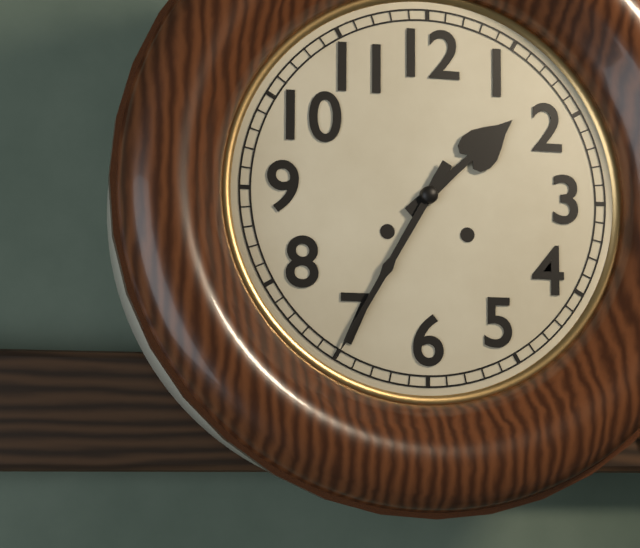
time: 1:35
